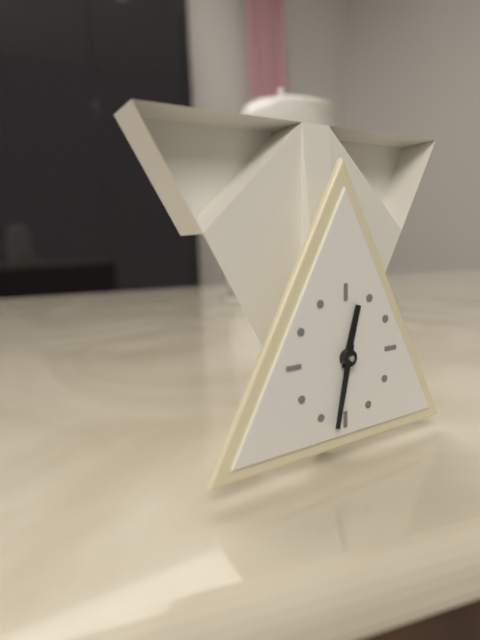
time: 12:32
